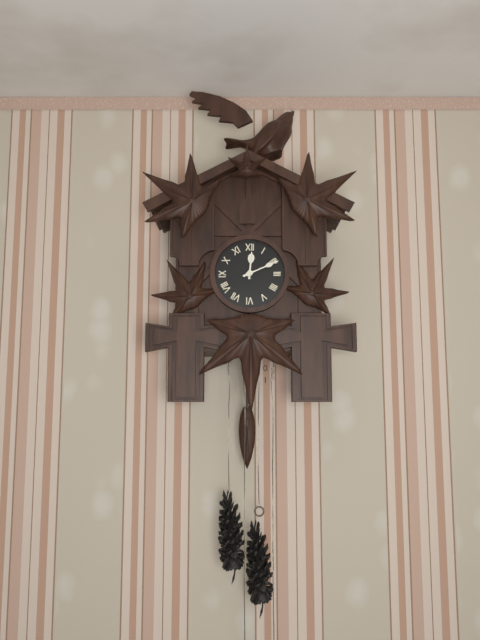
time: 12:11
